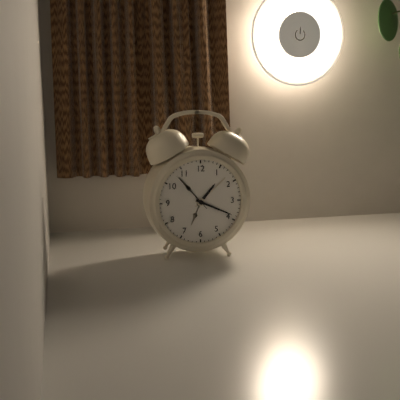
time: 1:19
